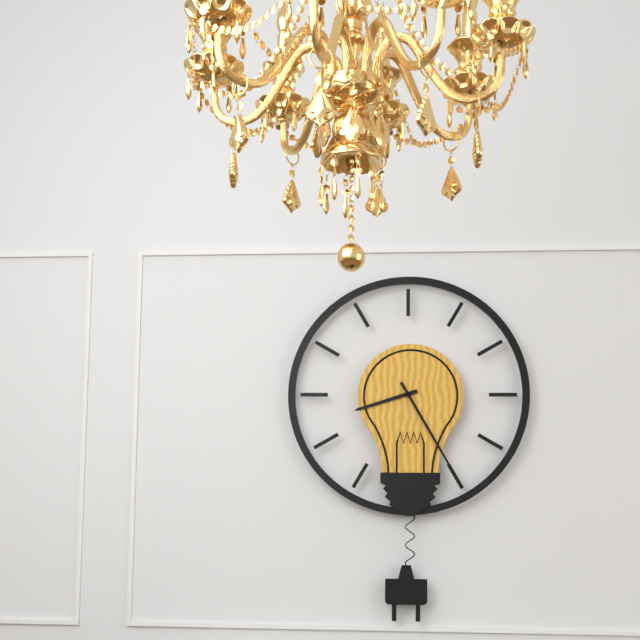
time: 8:25
